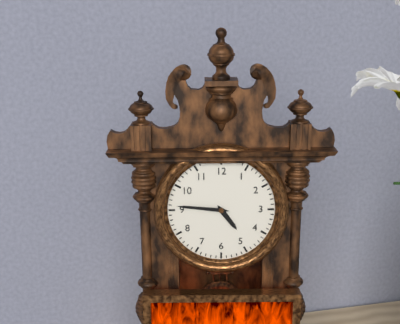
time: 4:46
